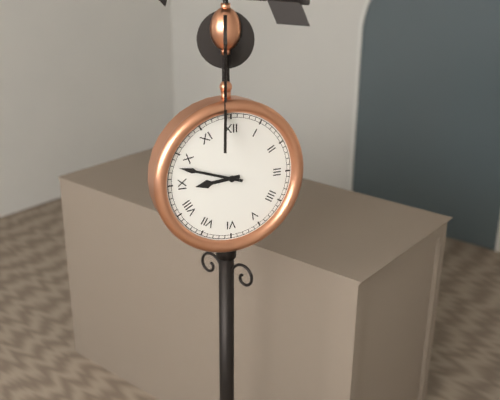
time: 8:48
